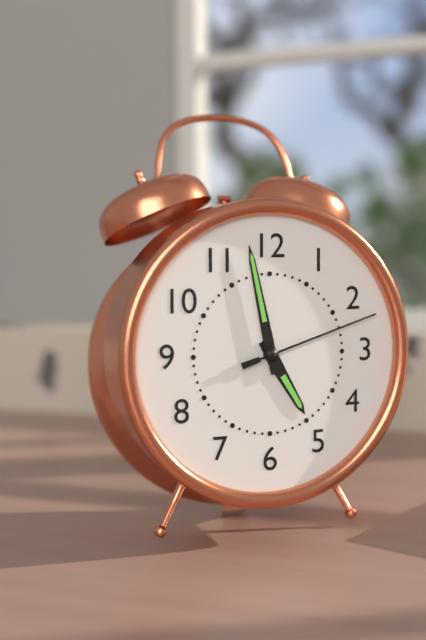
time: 4:58:12
